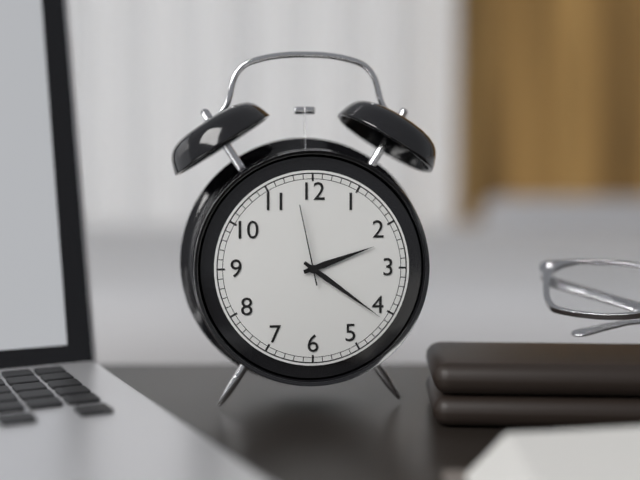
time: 2:21:58
